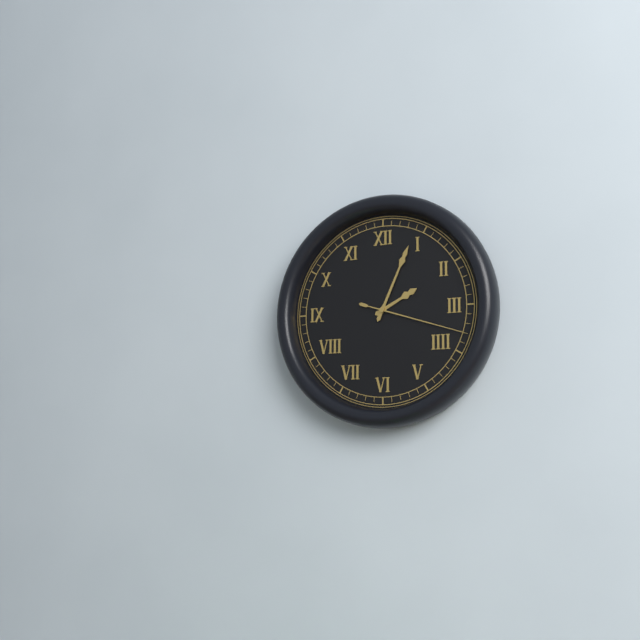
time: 2:04:18
